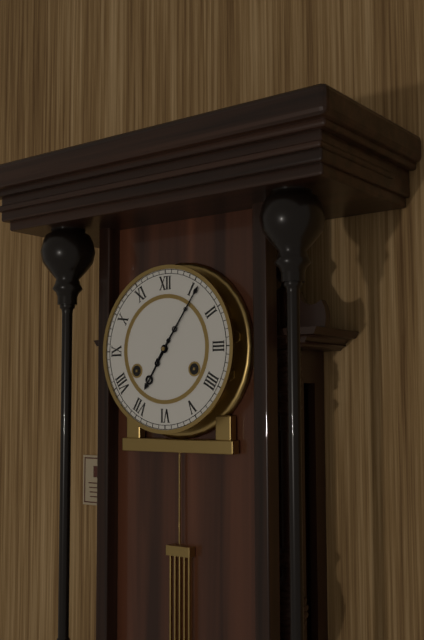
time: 7:06
